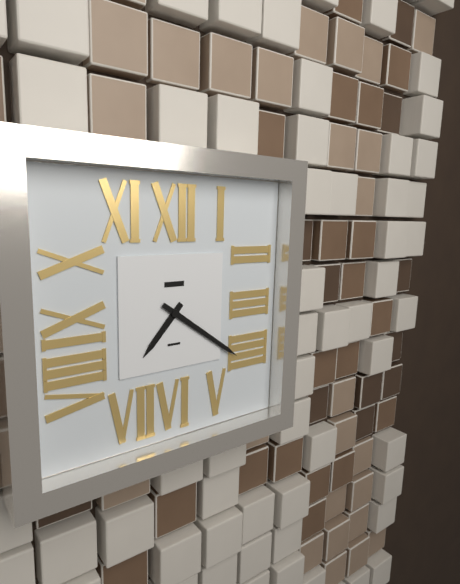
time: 7:21
